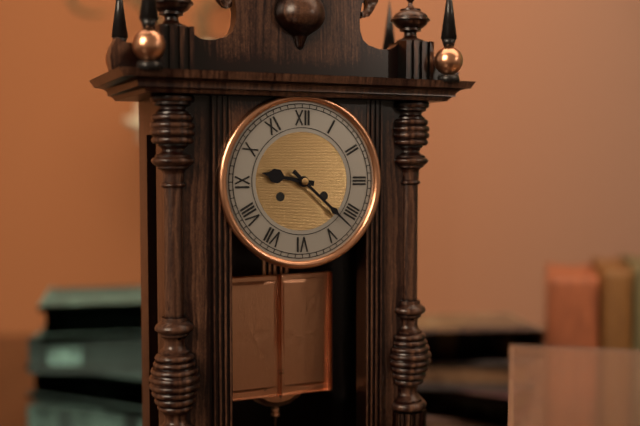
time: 9:22
